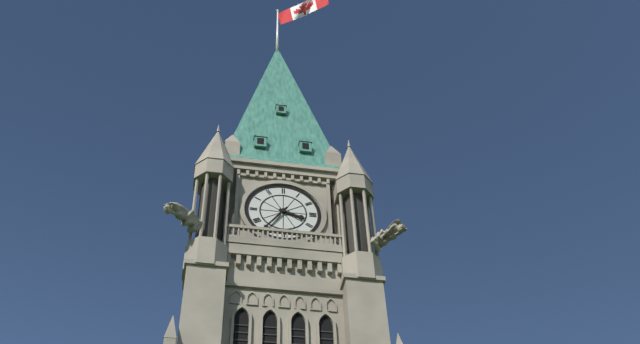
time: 3:36
